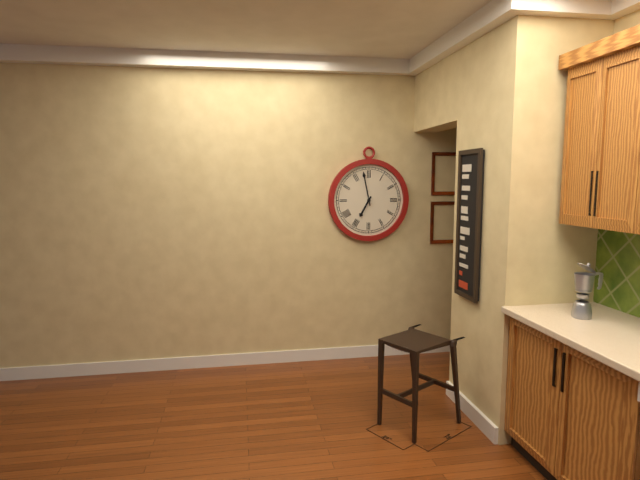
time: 6:58
